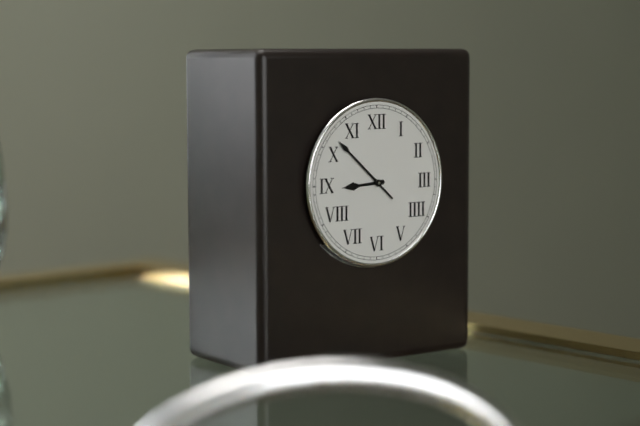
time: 8:52
